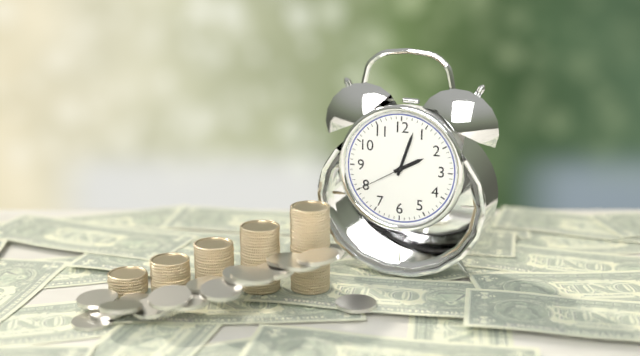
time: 2:03:40
